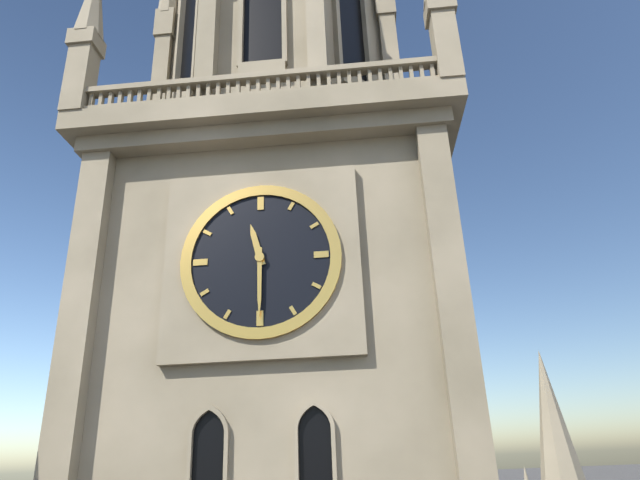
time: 11:30
